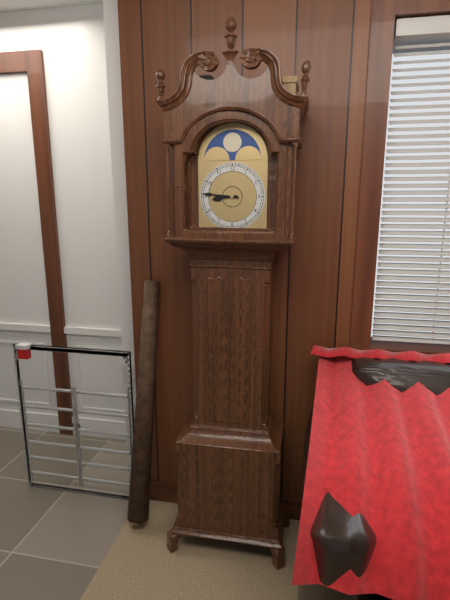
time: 8:46
